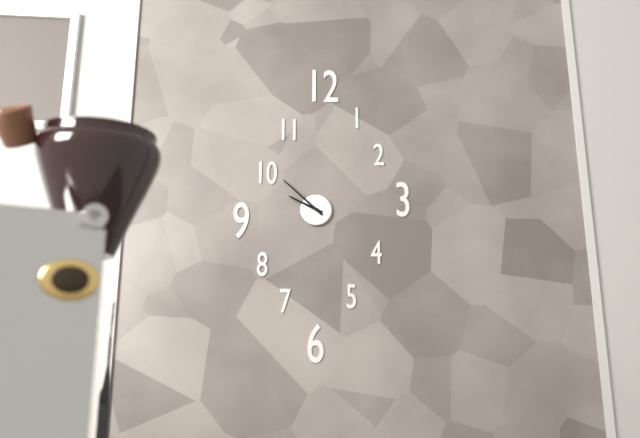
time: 9:52
